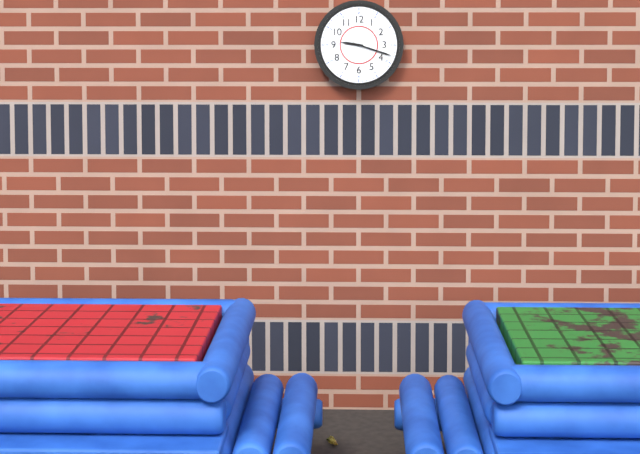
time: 9:18
